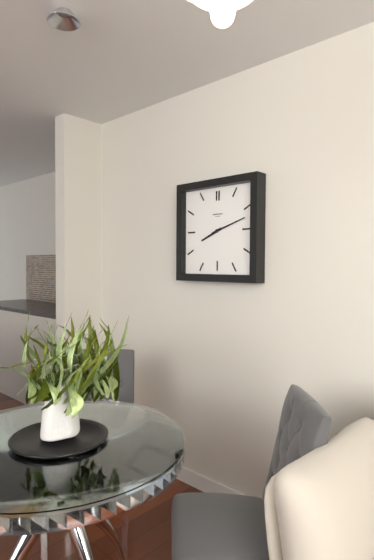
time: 8:12
